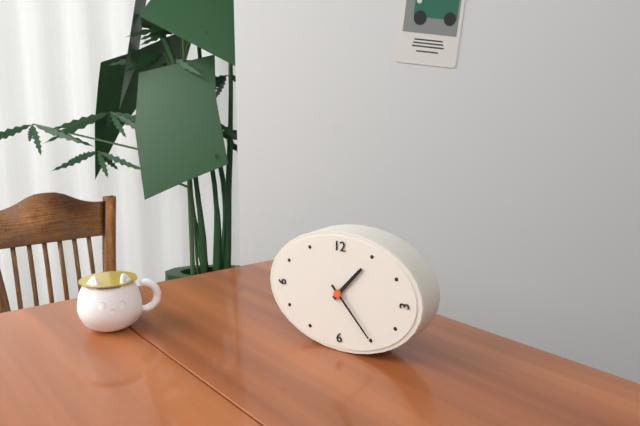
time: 1:23
